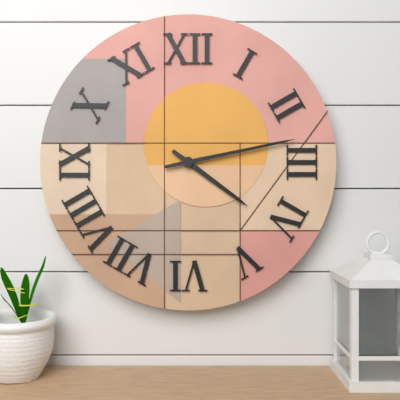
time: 4:13
